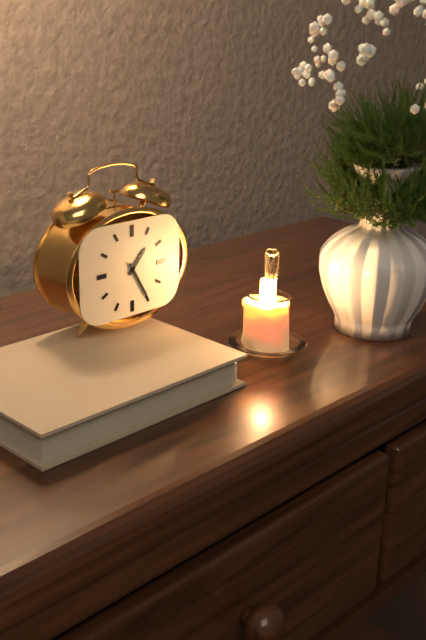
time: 1:25
